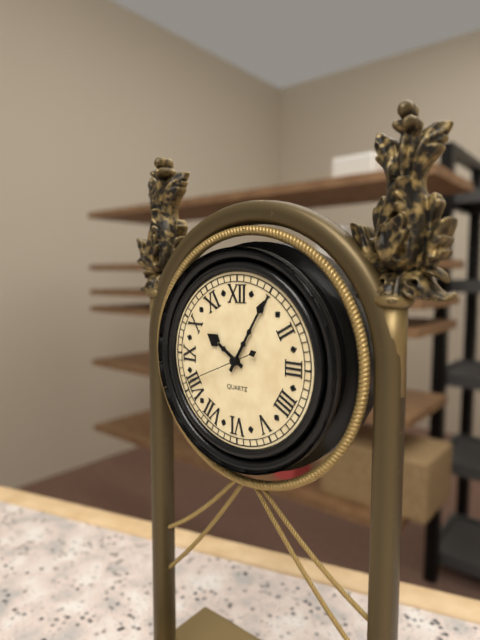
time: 10:05:41
